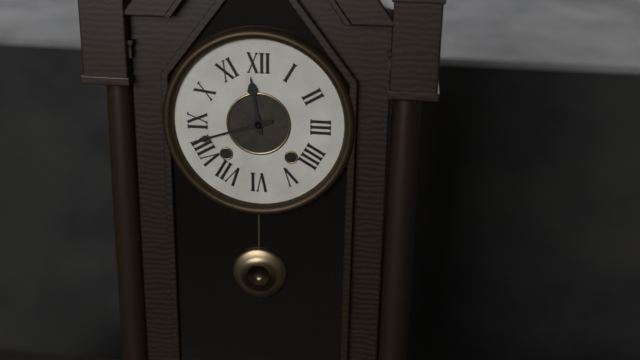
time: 11:42
